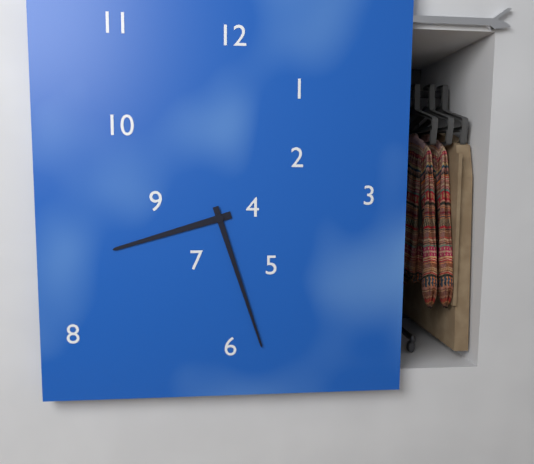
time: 8:27
